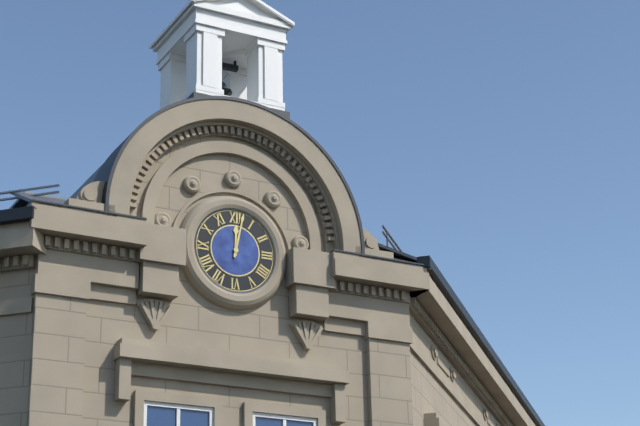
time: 12:02
